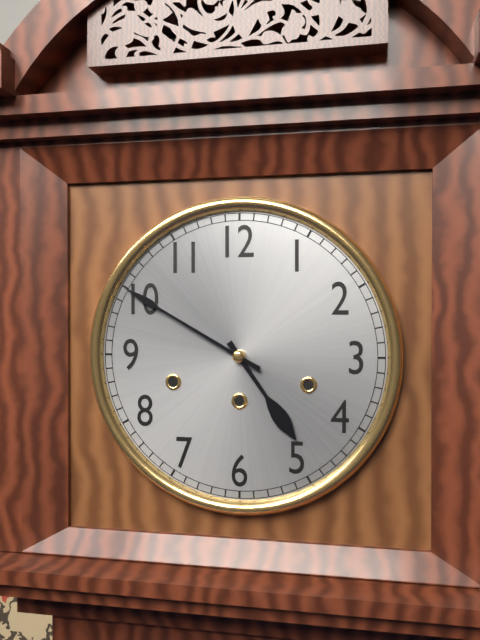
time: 4:50
